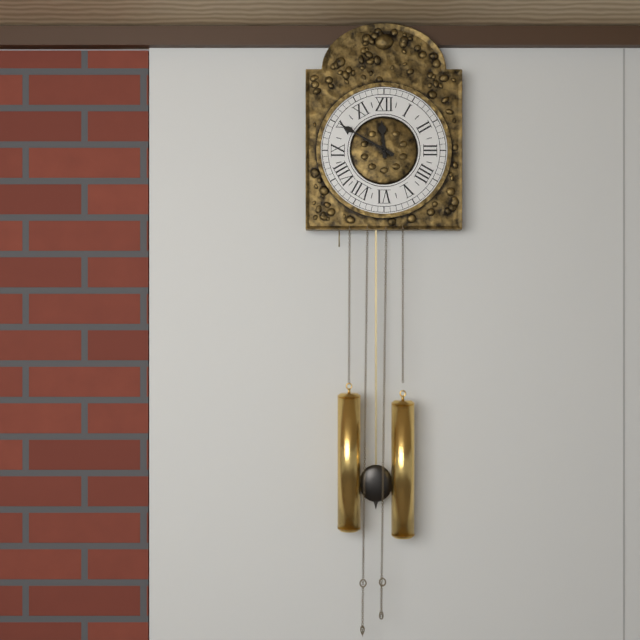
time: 11:50
